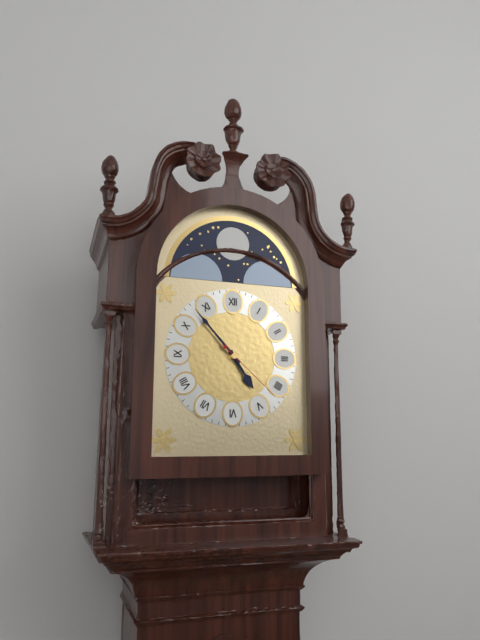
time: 4:53:22
